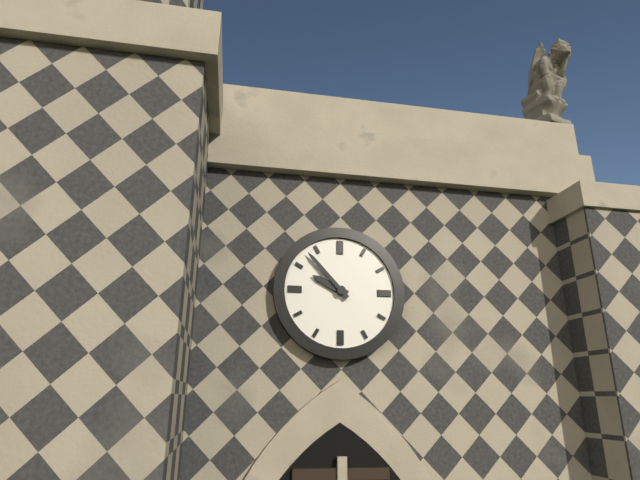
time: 9:53
